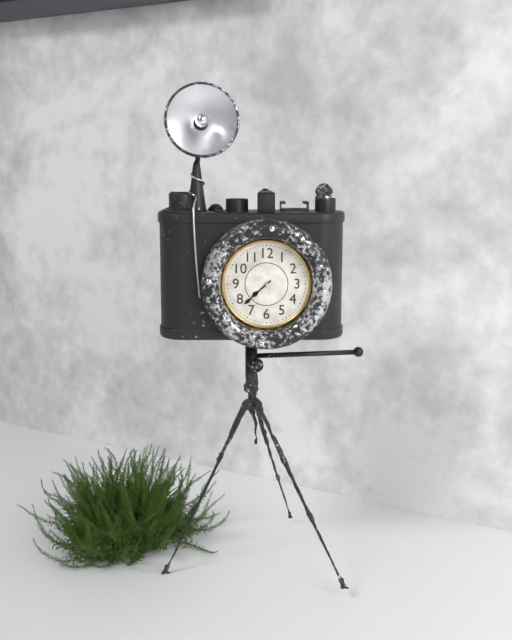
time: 7:38
